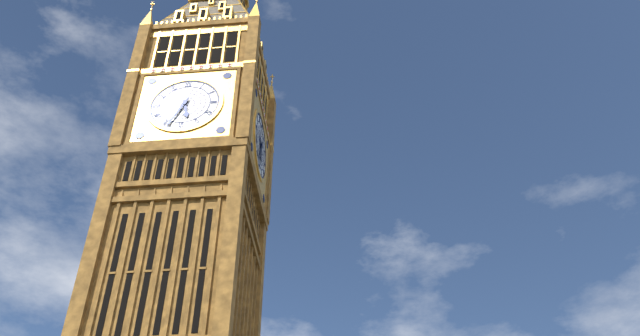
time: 5:34
